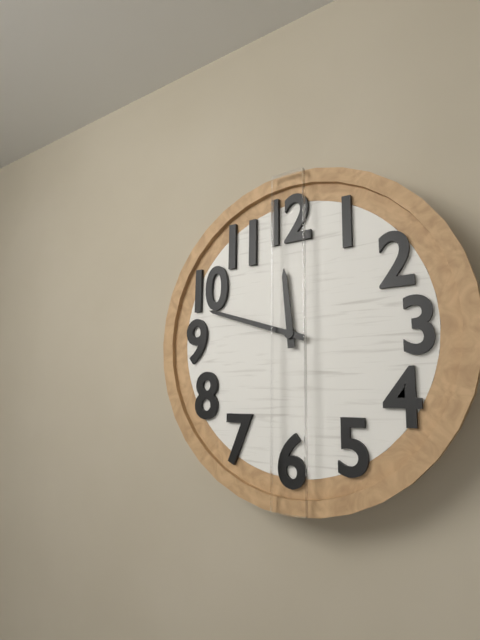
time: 11:48
